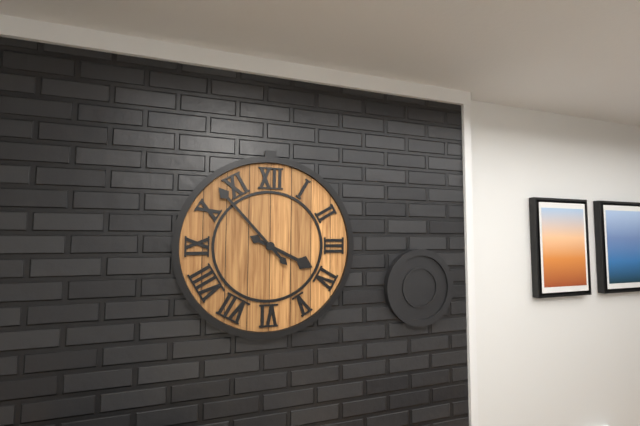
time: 3:53
